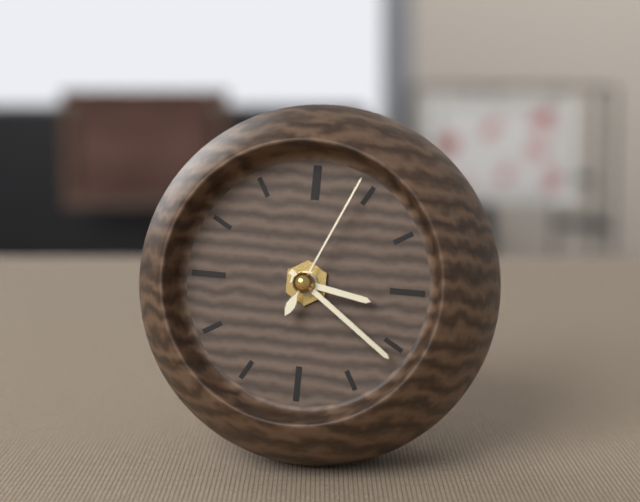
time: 3:21:04
